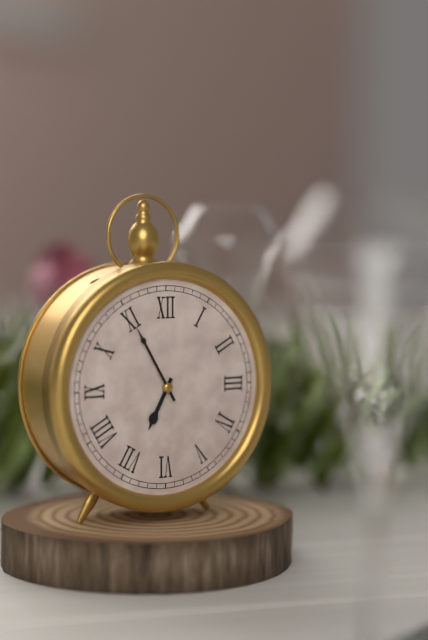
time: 6:55
